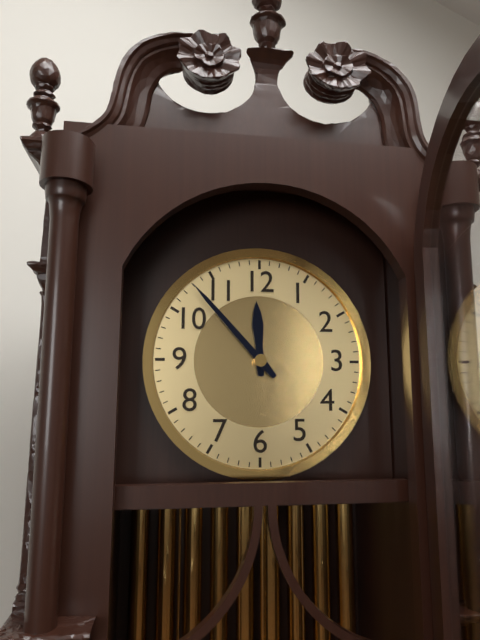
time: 11:53
